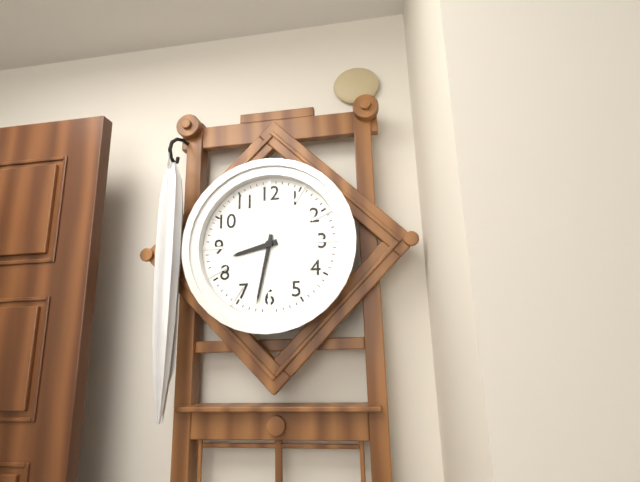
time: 8:32
